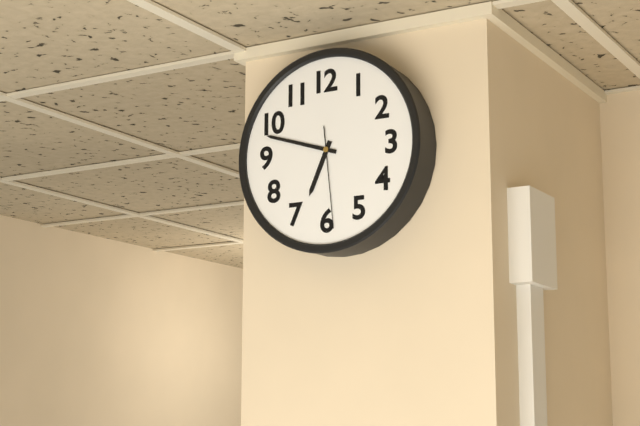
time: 6:48:29
